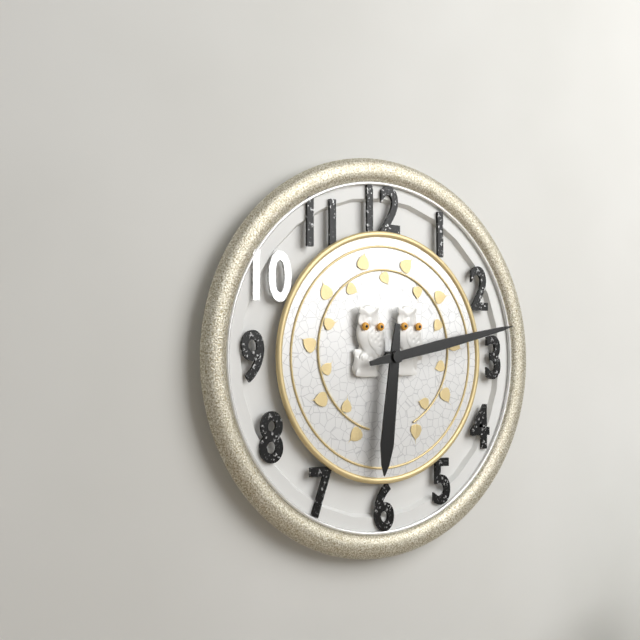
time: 6:13
